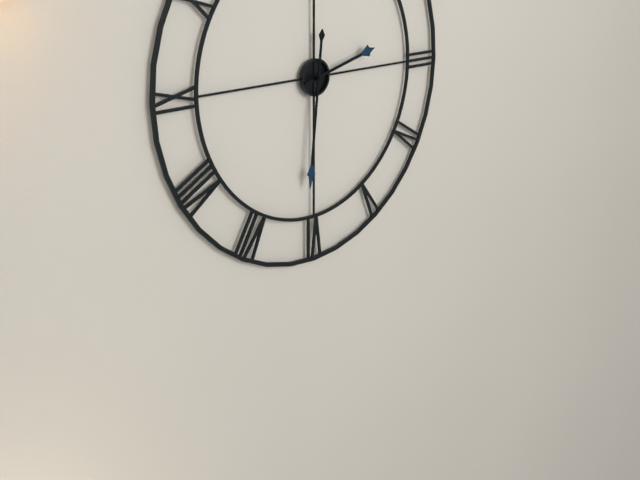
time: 2:31
